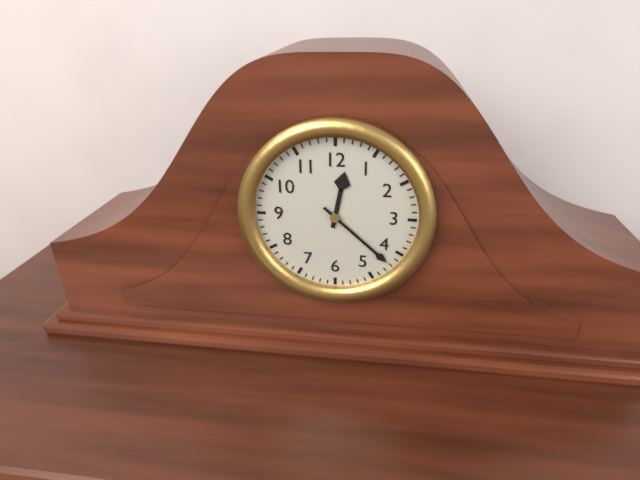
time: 12:22
